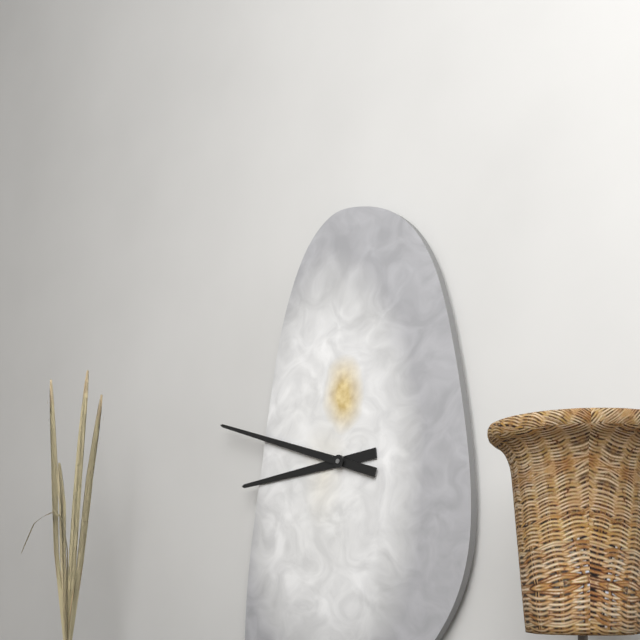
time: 8:48
